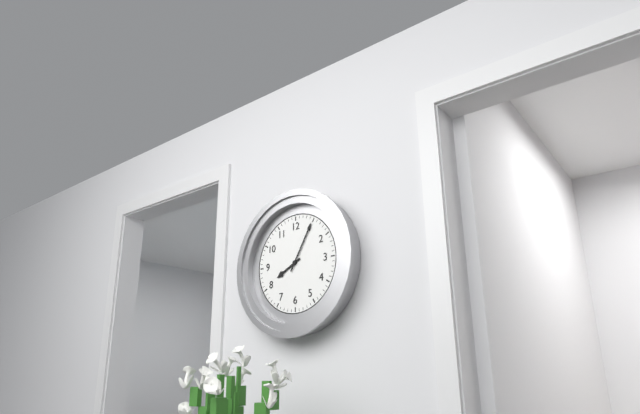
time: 8:05
